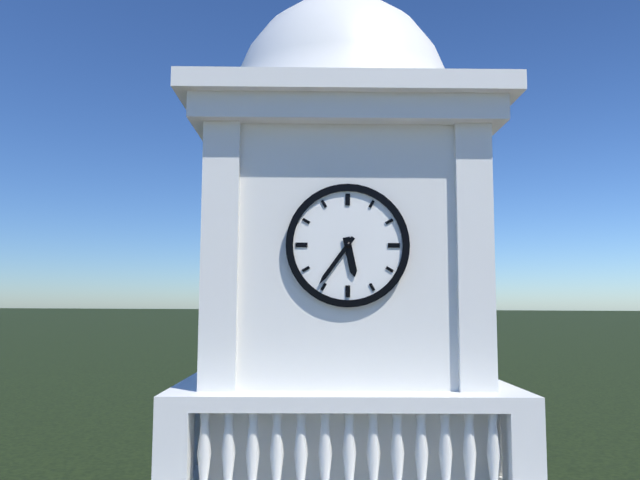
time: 5:36
